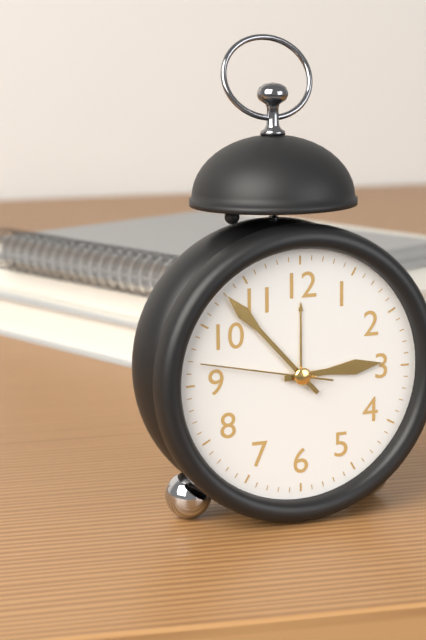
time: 2:53:47
